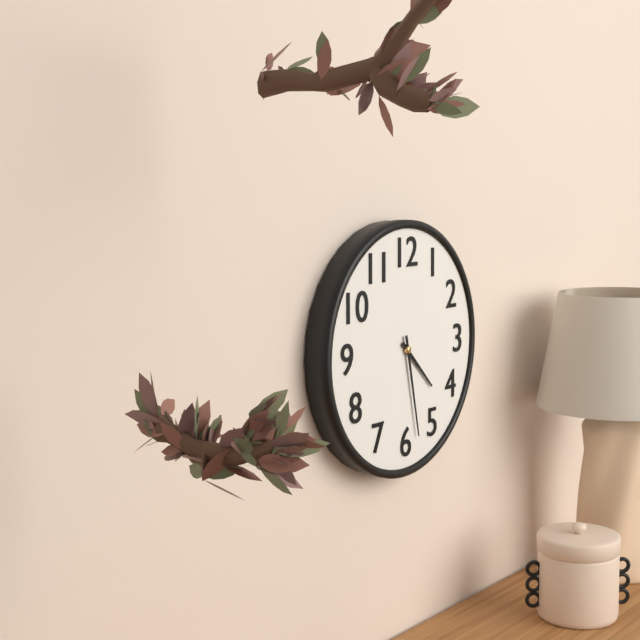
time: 4:28
